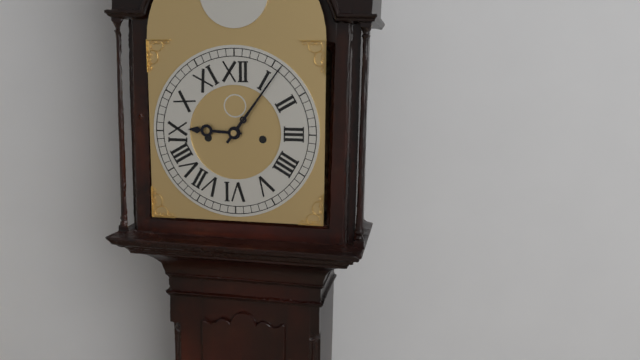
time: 9:06
